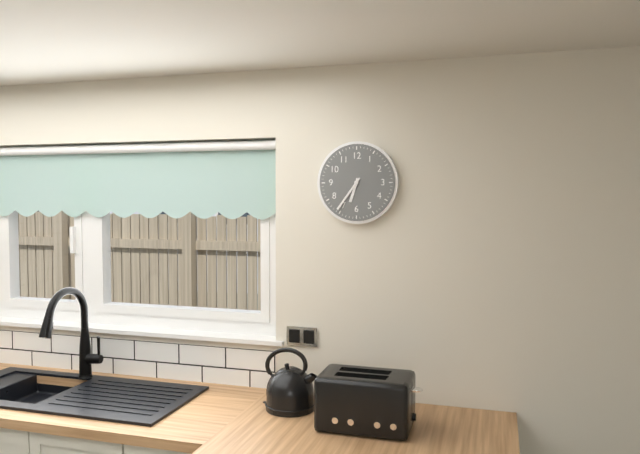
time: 6:36
